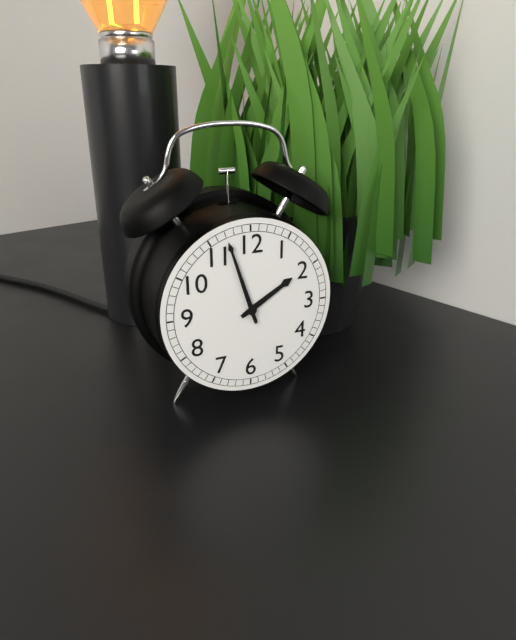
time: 1:57
